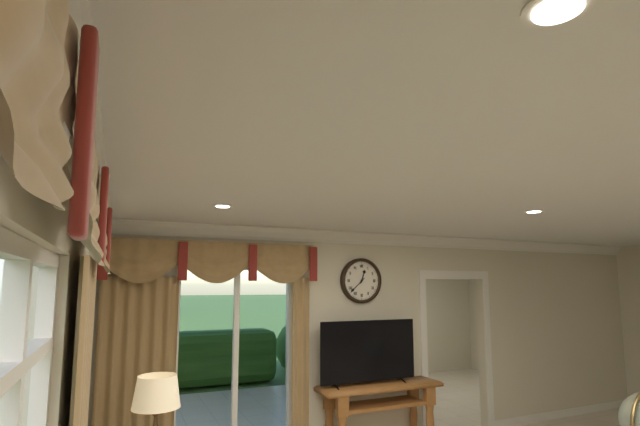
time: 12:38
